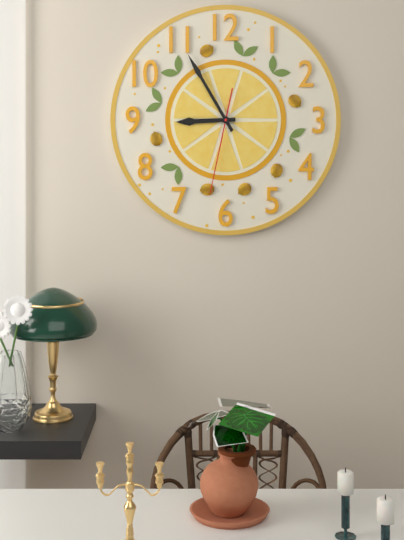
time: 8:55:32
